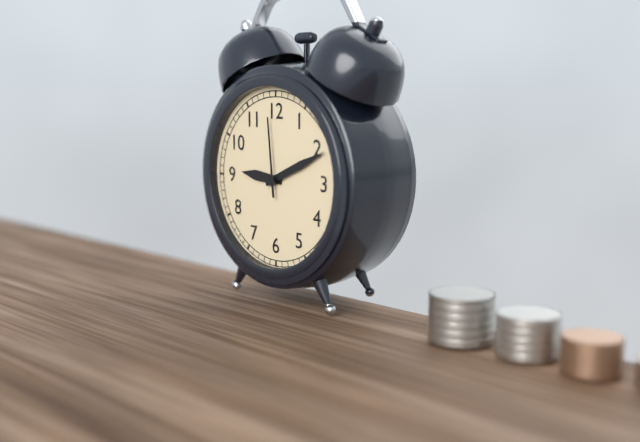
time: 9:11:59
